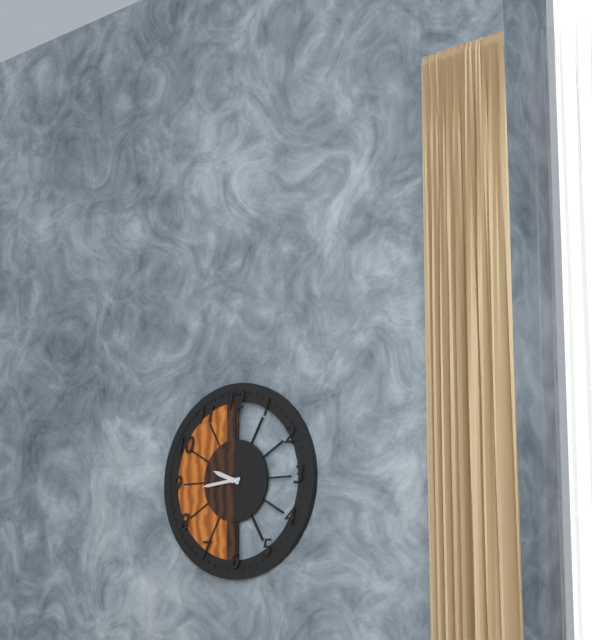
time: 9:44
